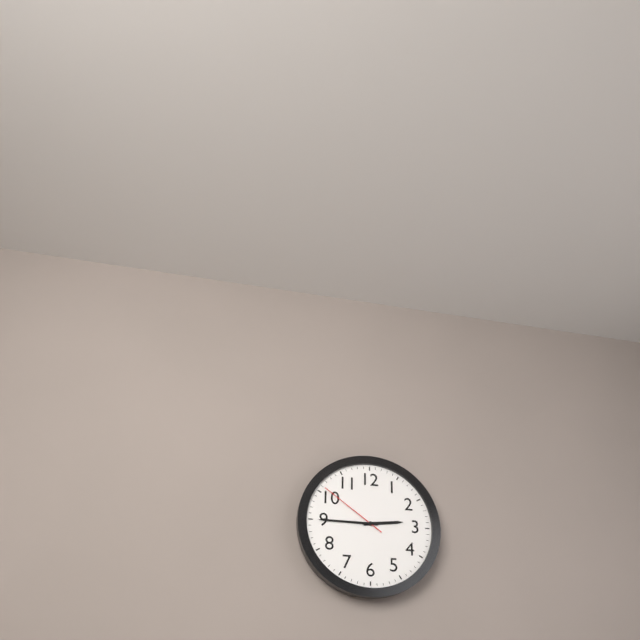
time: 2:45:51
